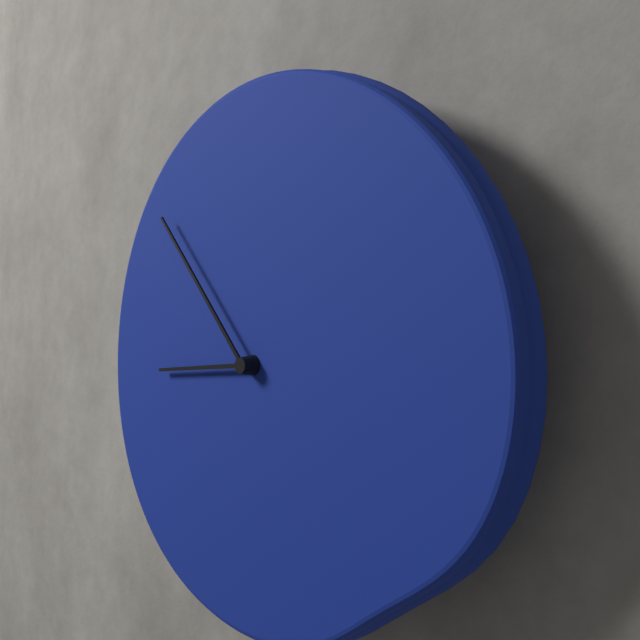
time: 8:53
